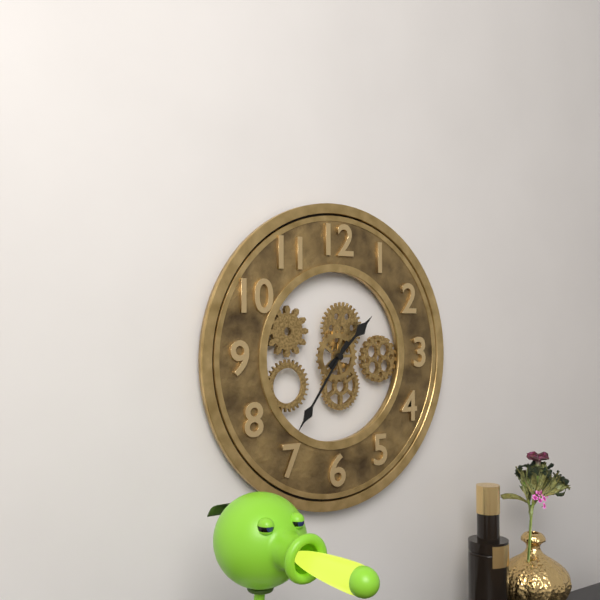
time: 1:36
